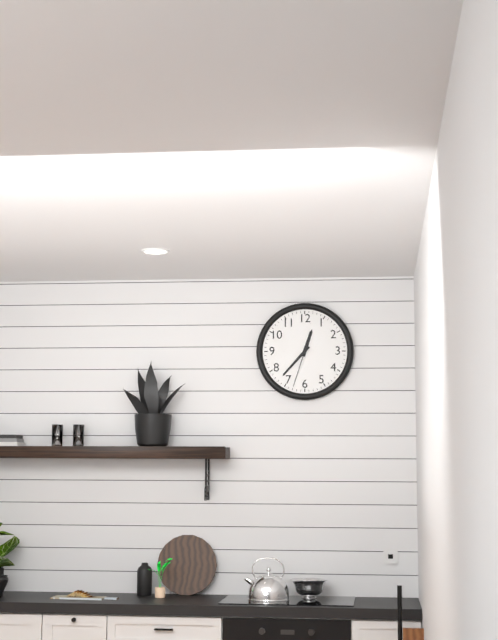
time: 12:37
